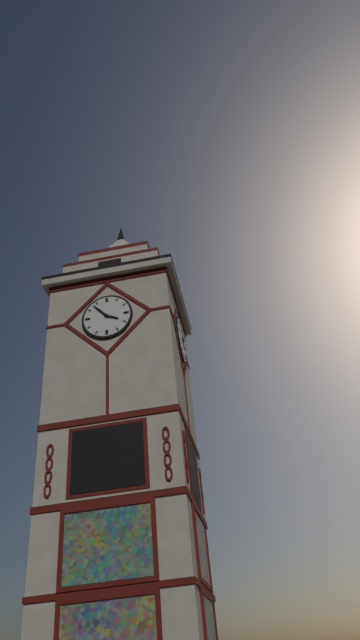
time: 3:53
